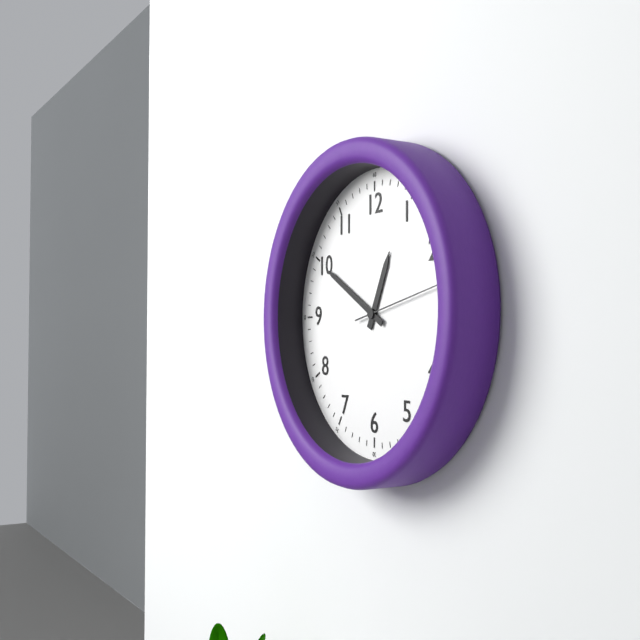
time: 12:50:13
